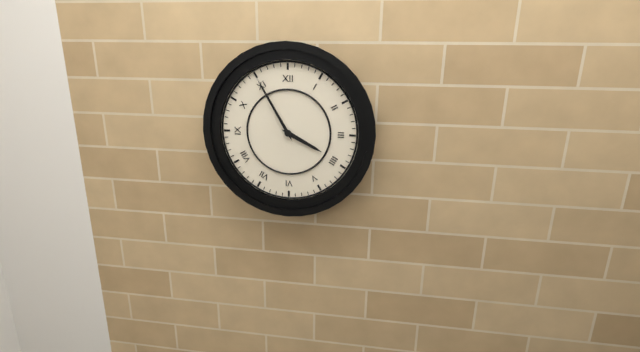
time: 3:55
